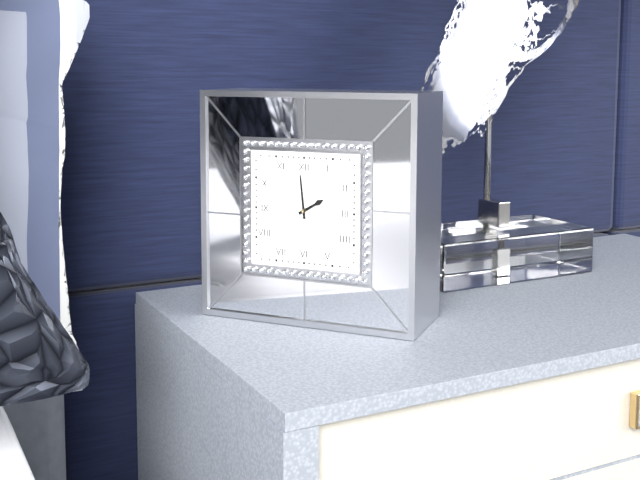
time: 1:59
